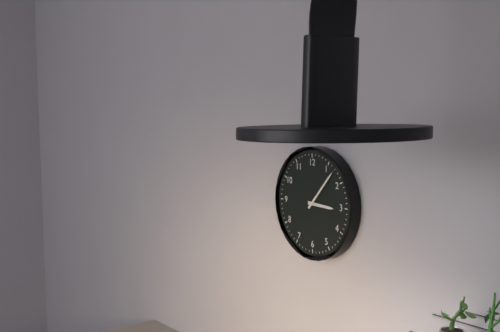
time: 3:07
